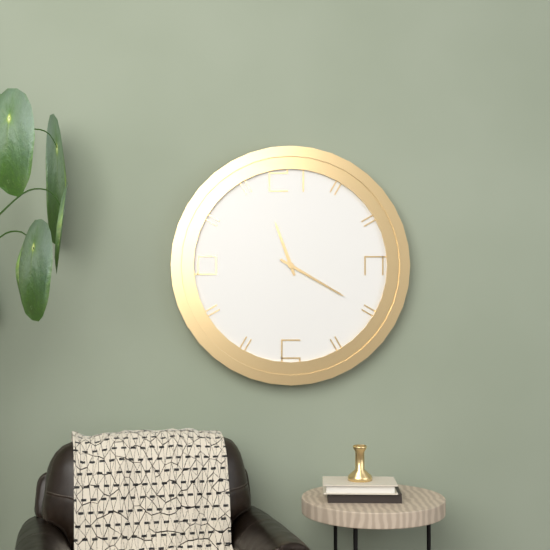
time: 11:20
